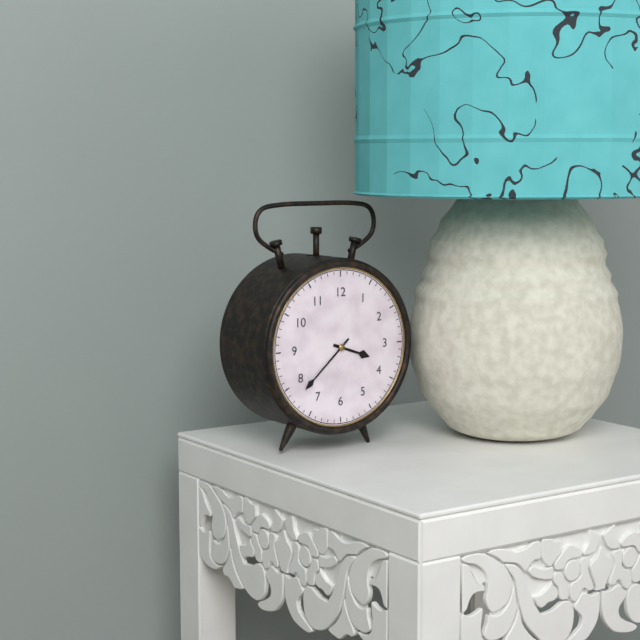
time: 3:38
